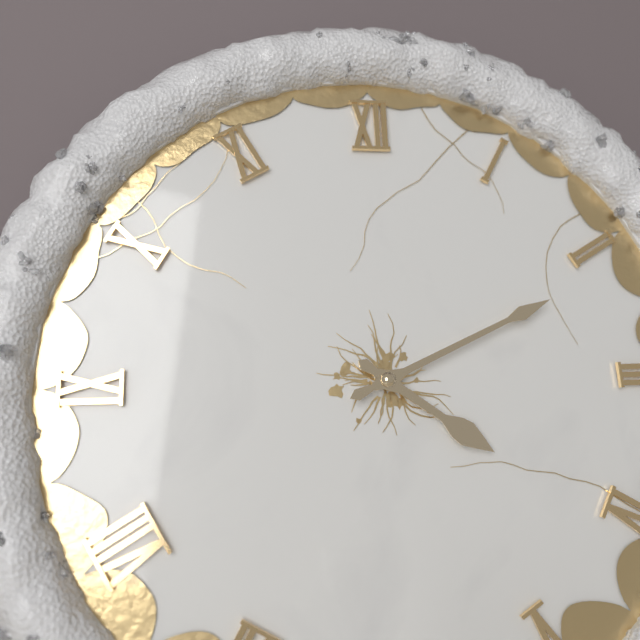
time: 4:11
